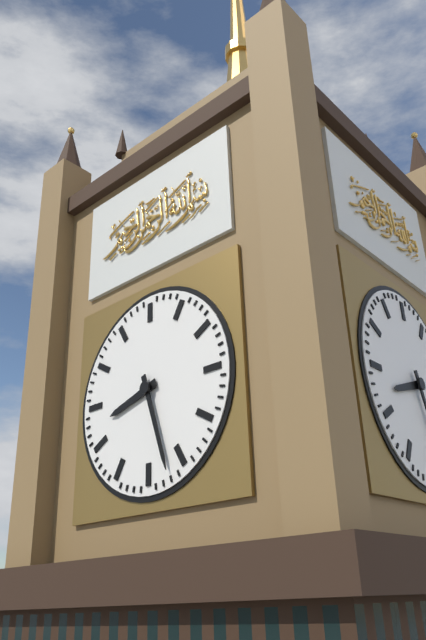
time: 8:27
